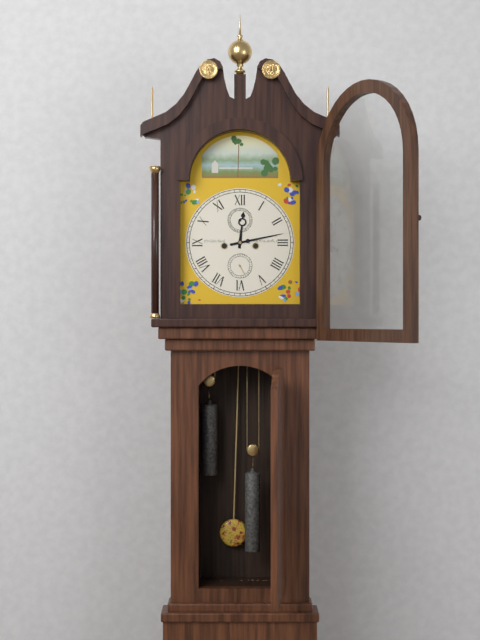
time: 12:13
